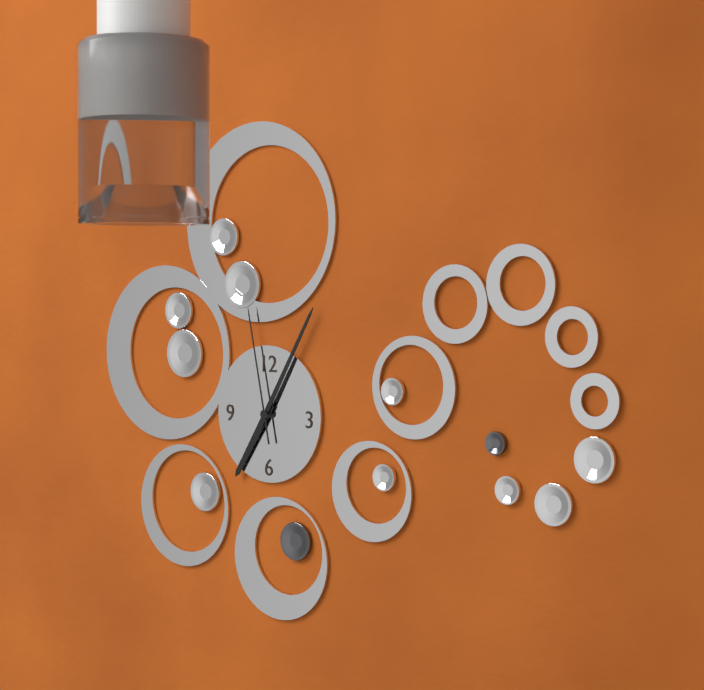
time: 7:05:58
